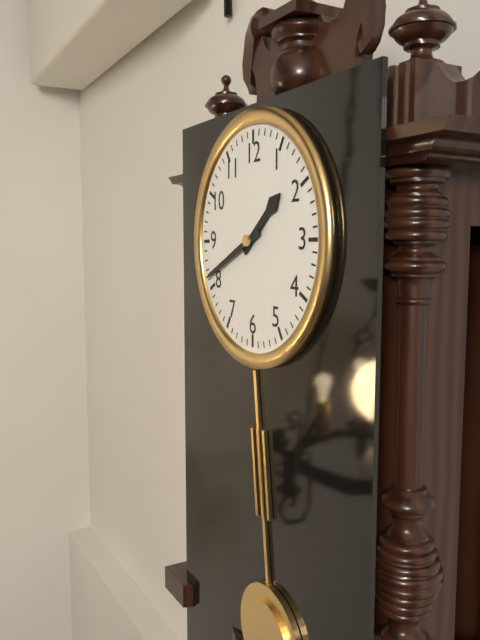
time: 1:41
